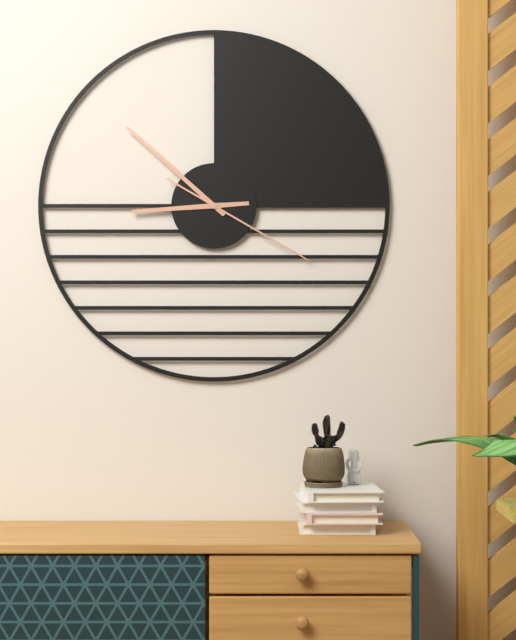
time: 8:52:20
